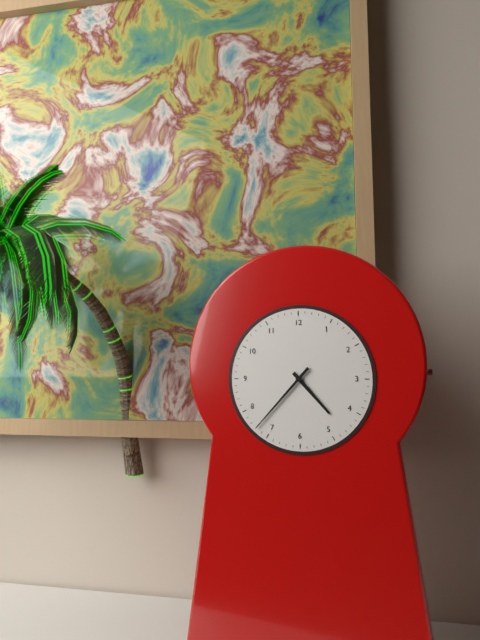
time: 4:37
